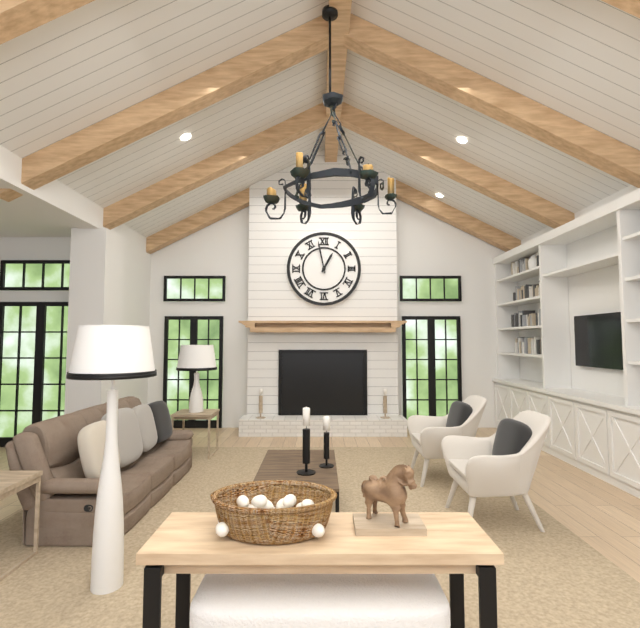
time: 12:58
